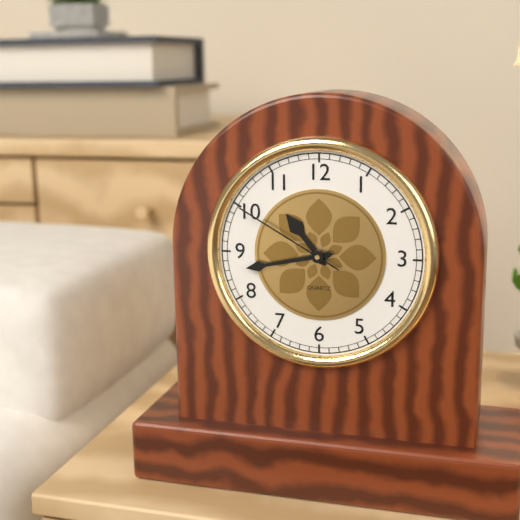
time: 10:43:50
